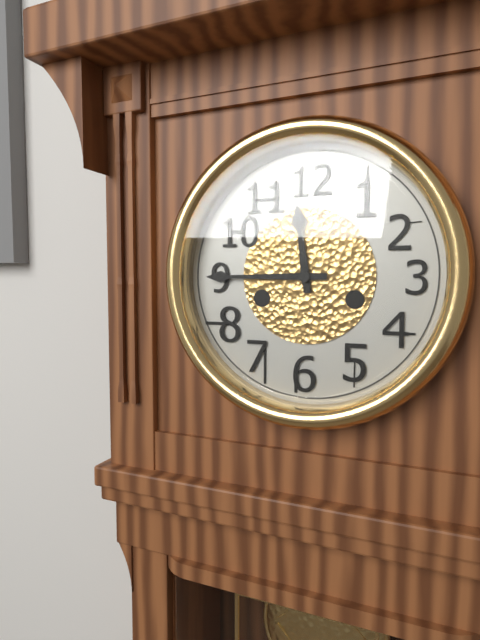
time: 11:45
